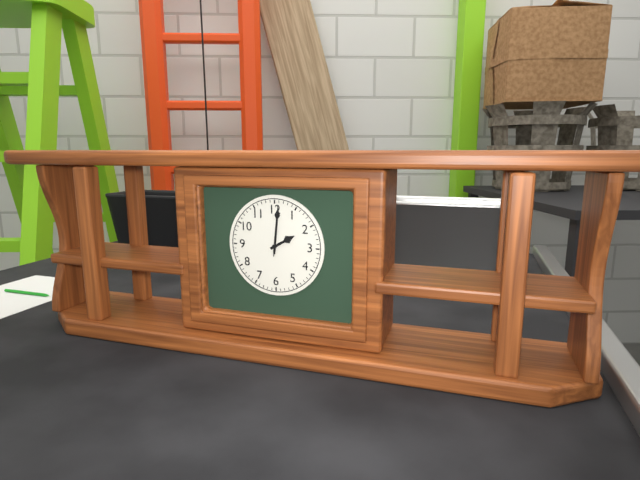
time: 2:01:01
